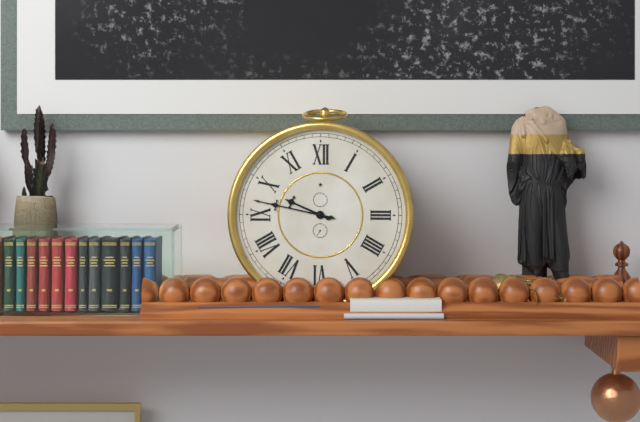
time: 9:47
